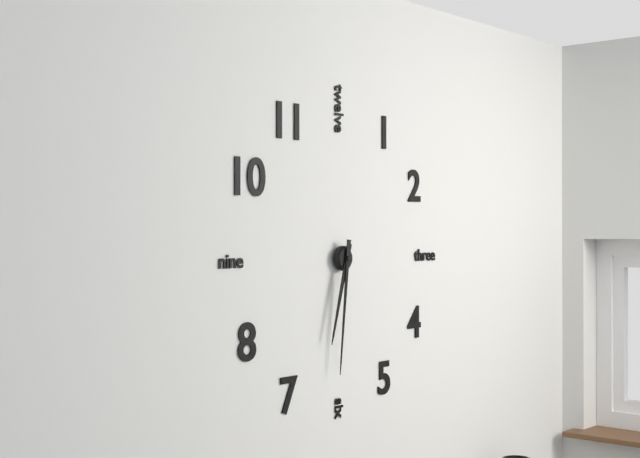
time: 6:31
